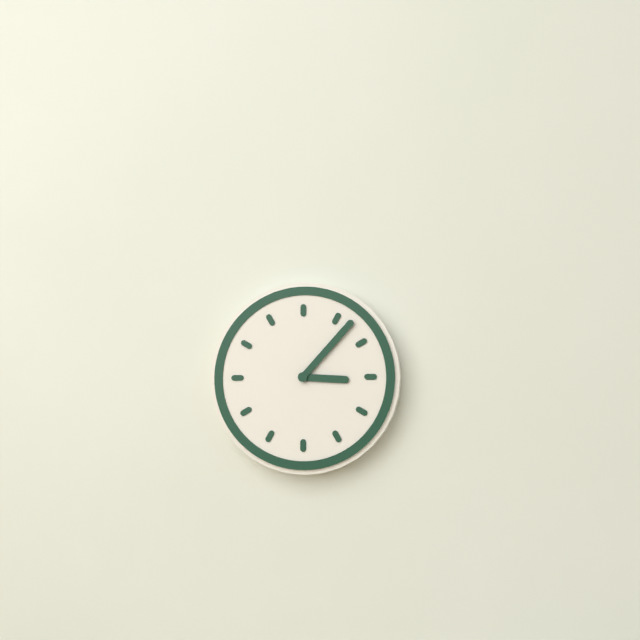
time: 3:07
